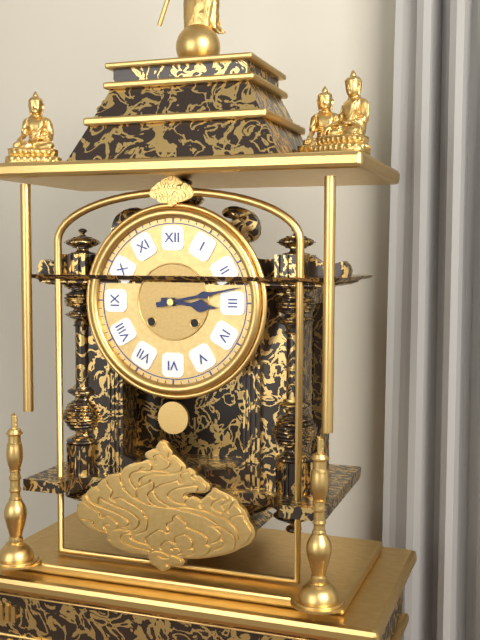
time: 3:13
